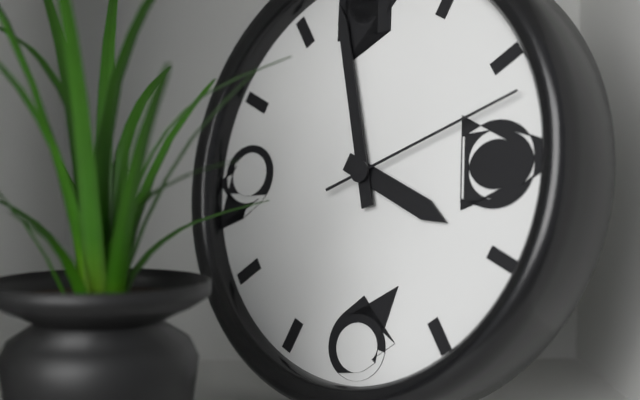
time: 3:58:12
